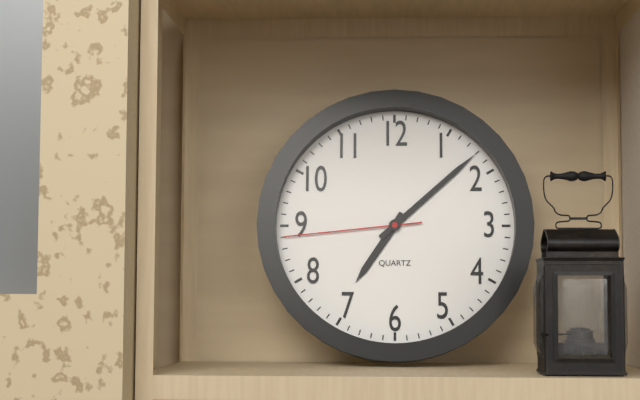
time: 7:08:44
